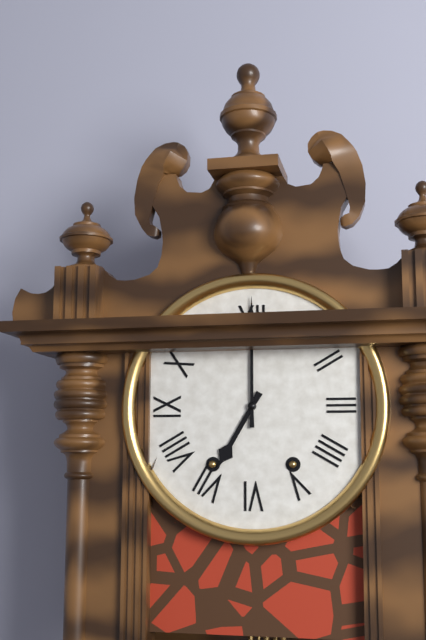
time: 7:00
